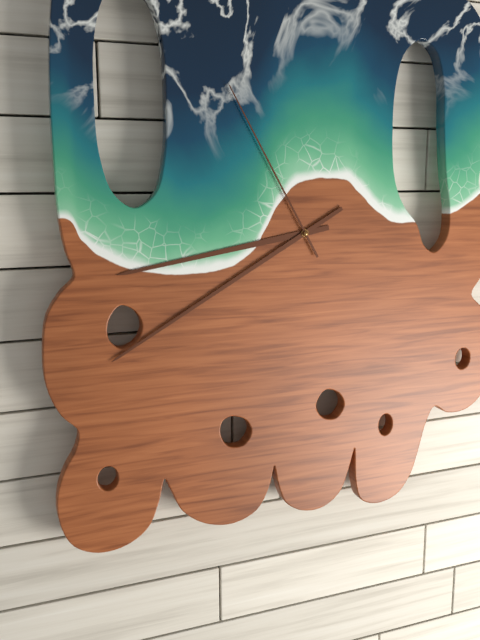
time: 8:40:55
